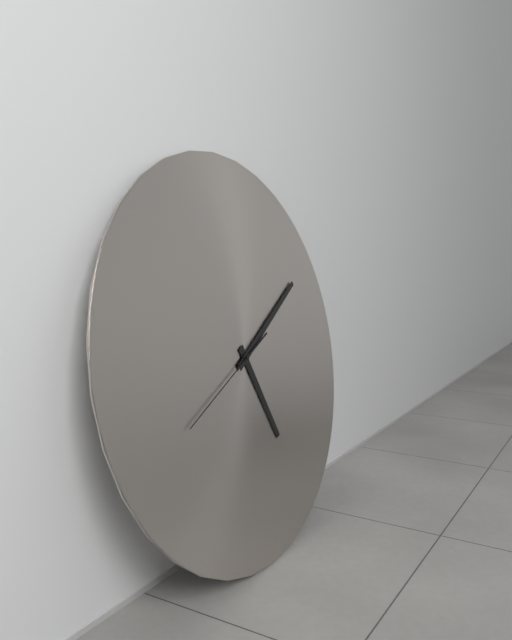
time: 5:10:41
